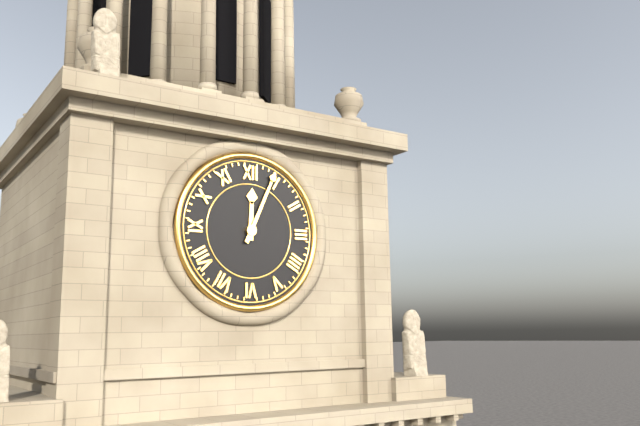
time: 12:04
